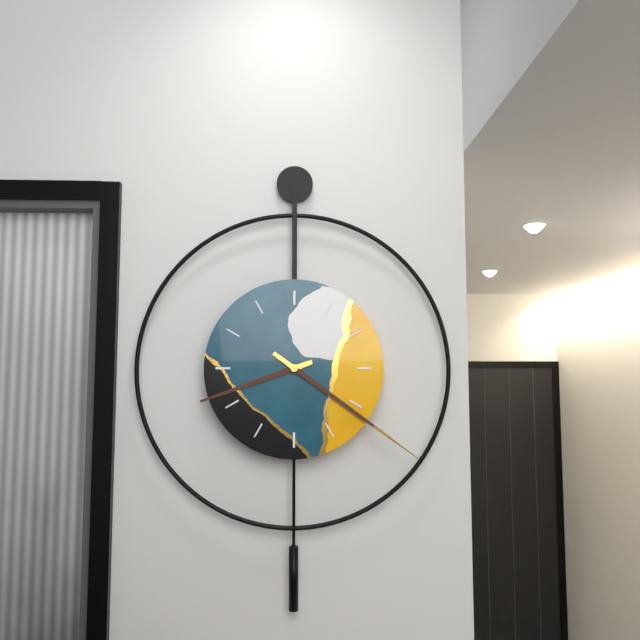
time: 8:21
